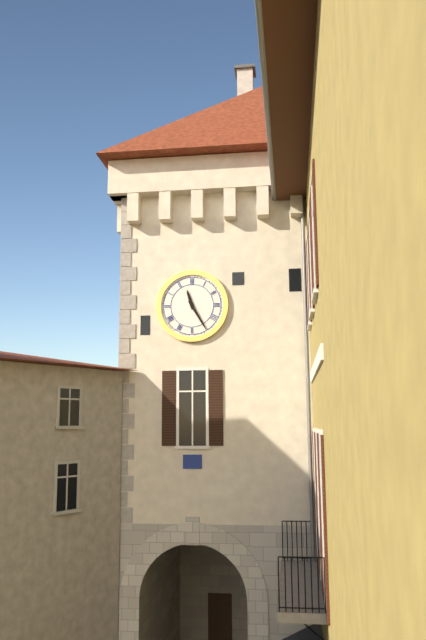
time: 11:25
